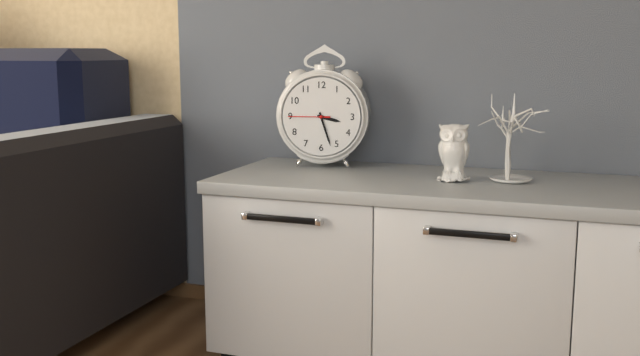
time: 3:27
